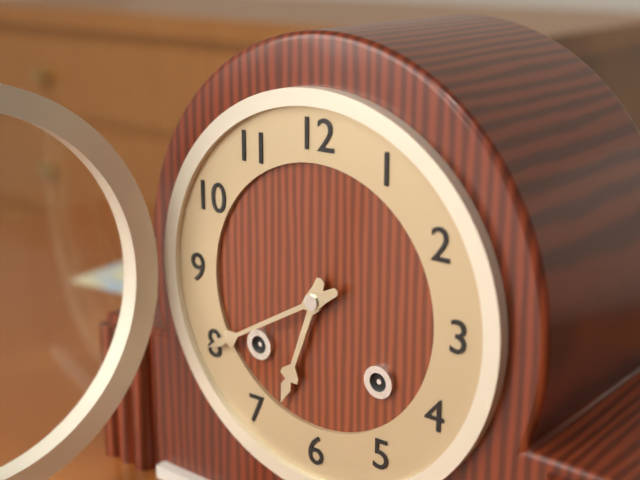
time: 6:40
